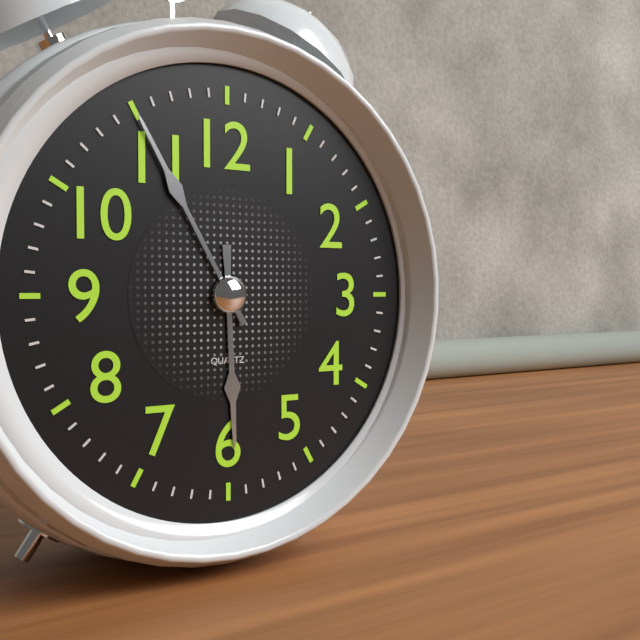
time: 5:55
